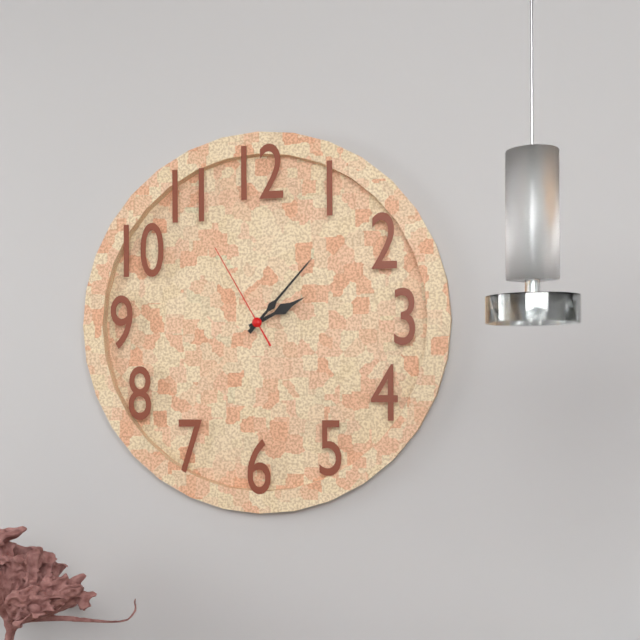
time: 2:07:55
